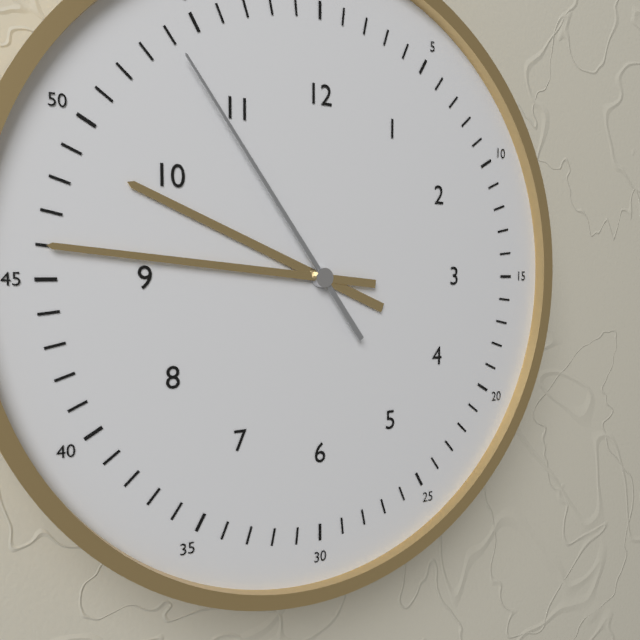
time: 9:46:54
